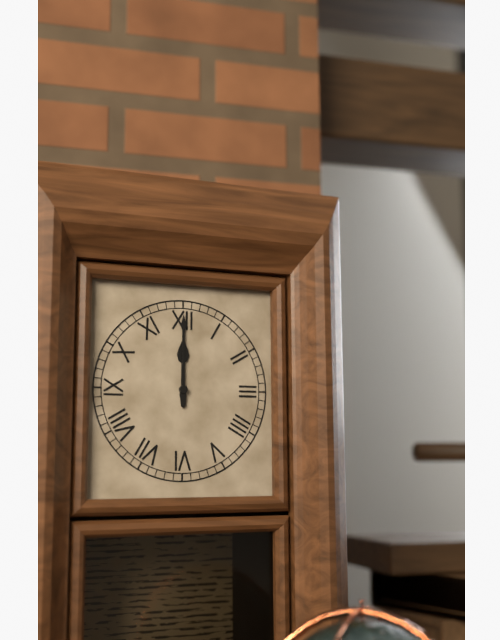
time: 12:00
